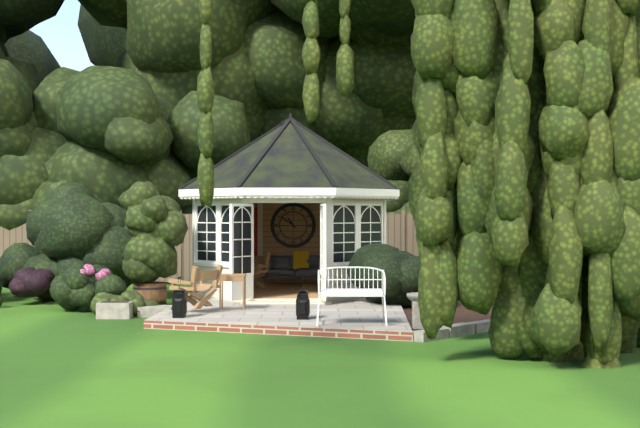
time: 10:51
